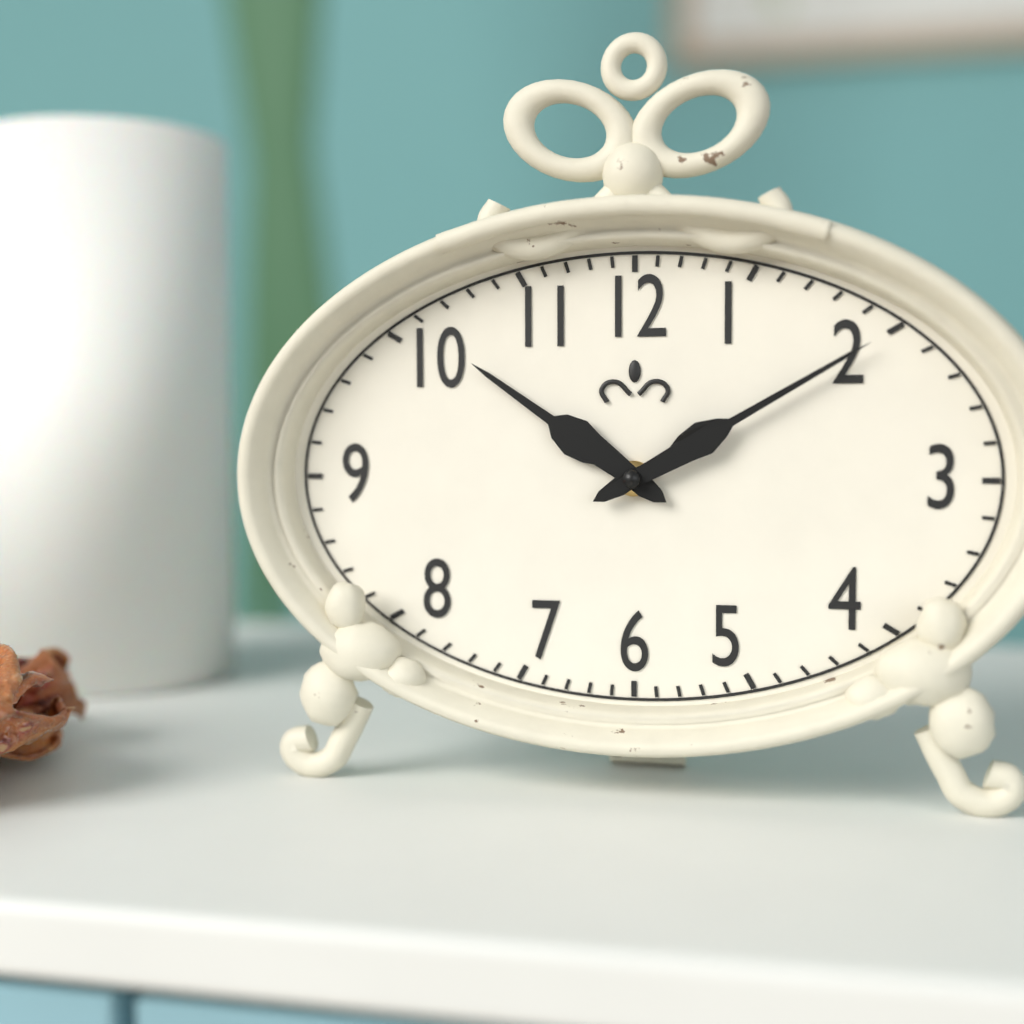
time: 10:10
